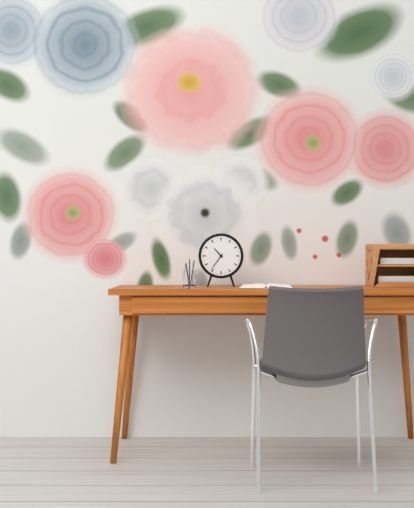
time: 10:36
